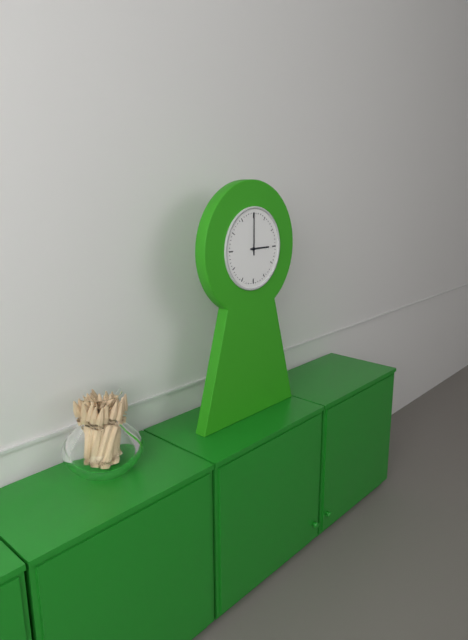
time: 3:00
